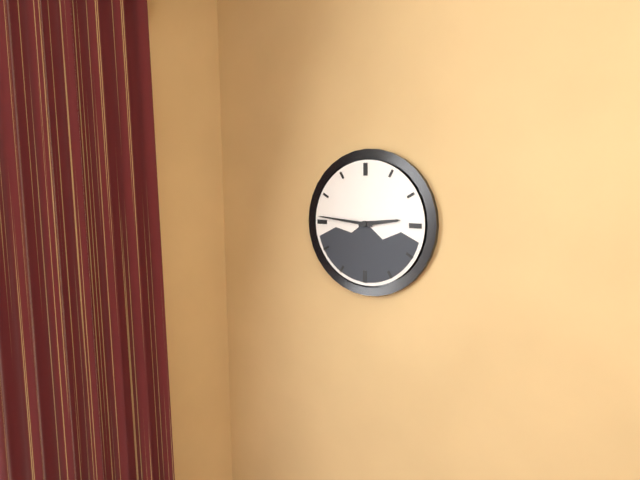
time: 2:46
